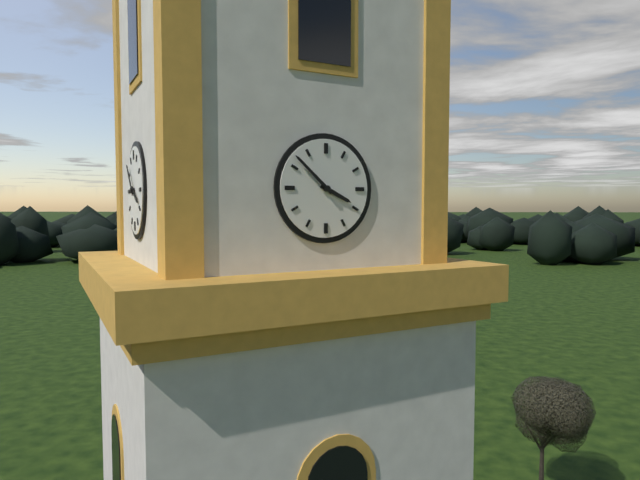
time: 3:52
